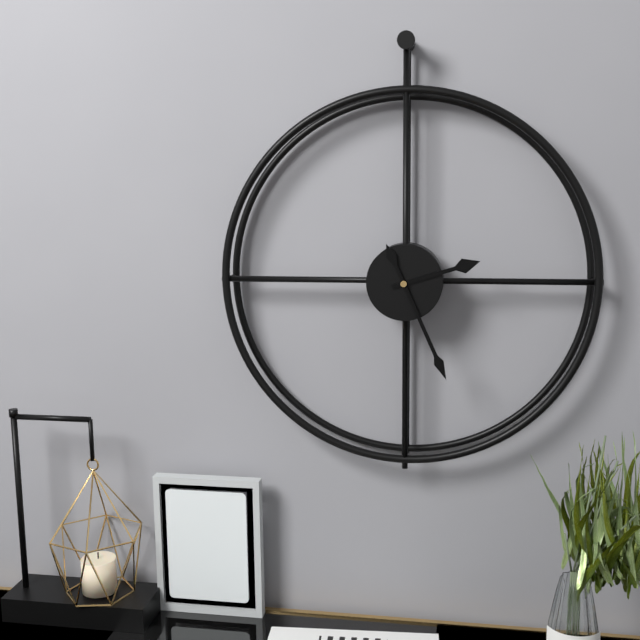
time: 2:26
